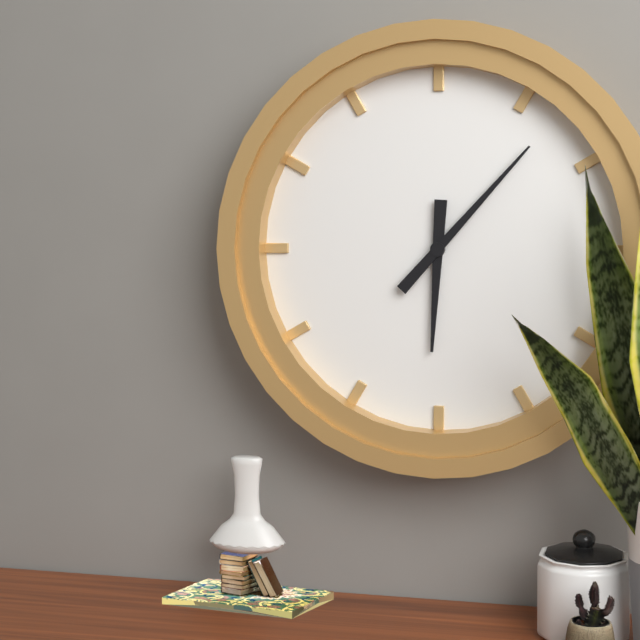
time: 6:07
